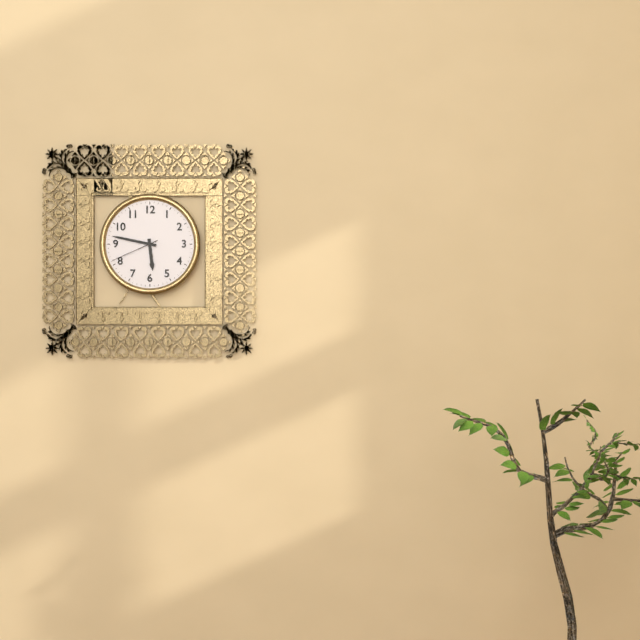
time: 5:47:41
